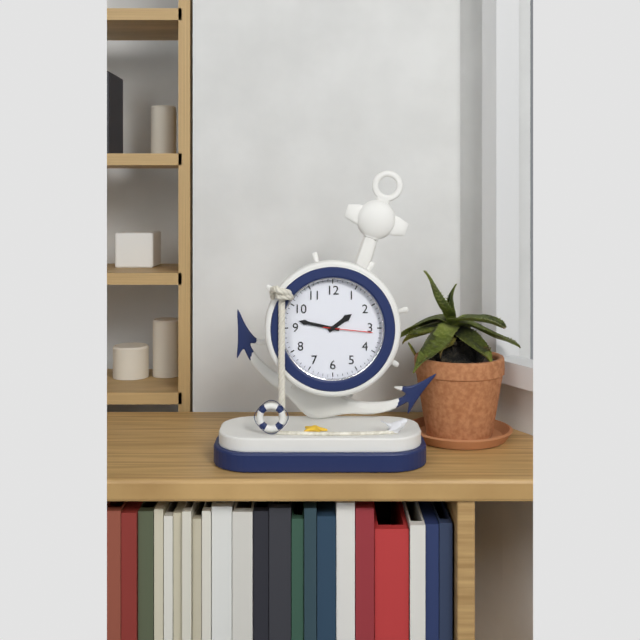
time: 1:47
